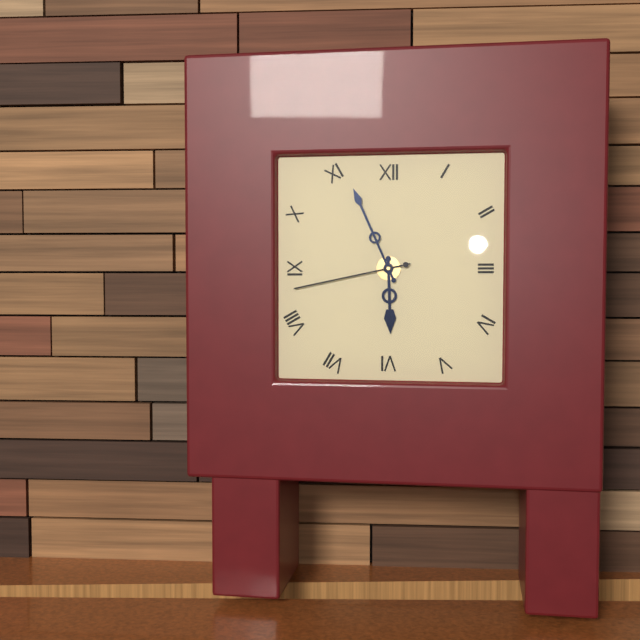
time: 5:56:43
